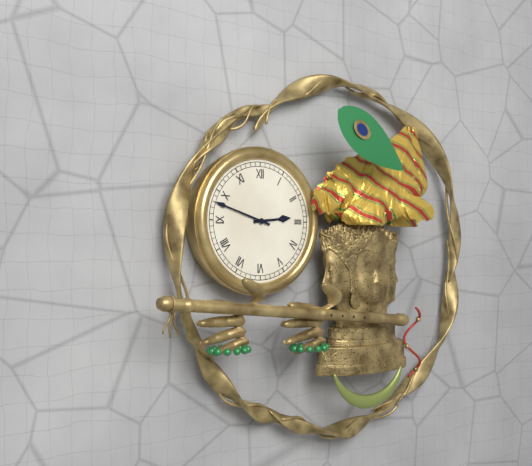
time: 2:48
